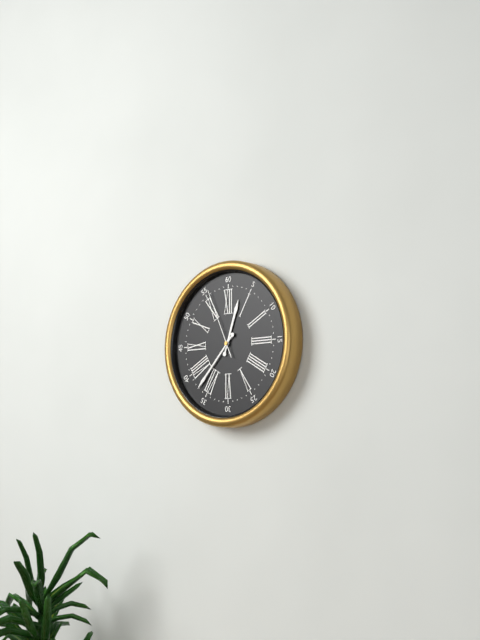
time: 12:37:56
